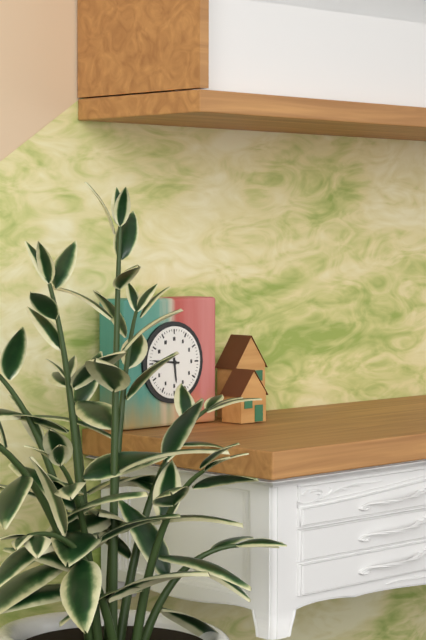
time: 5:46
